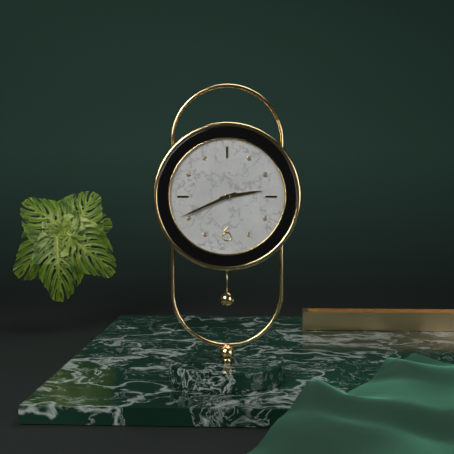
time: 2:41
